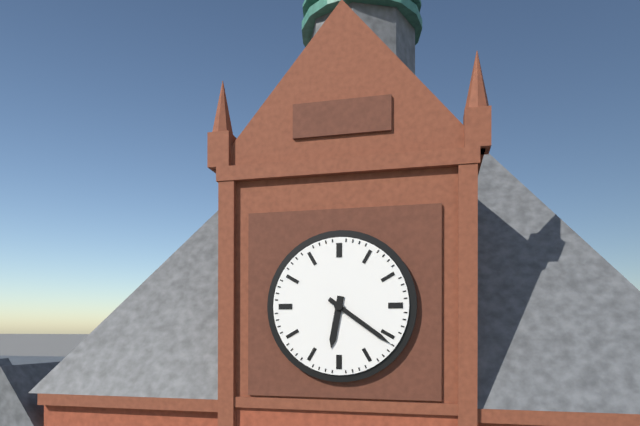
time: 6:21
